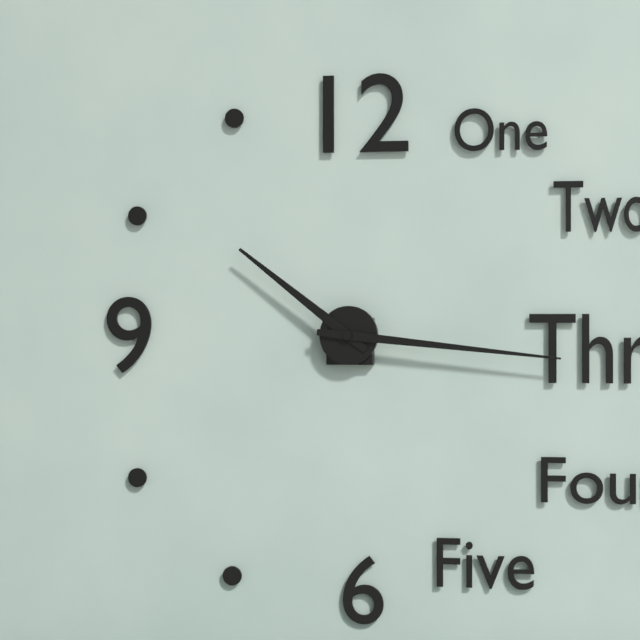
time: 10:16
